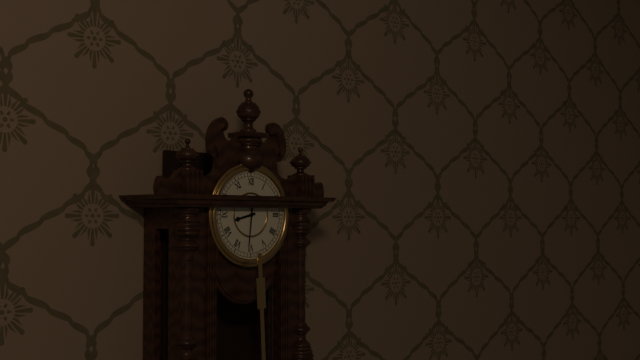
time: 8:31
